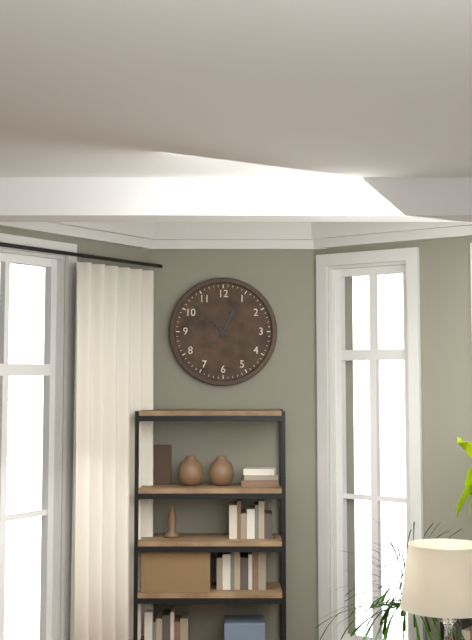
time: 12:52
